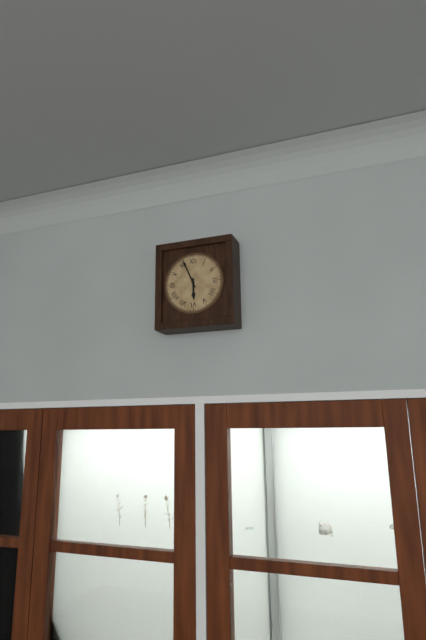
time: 5:56
